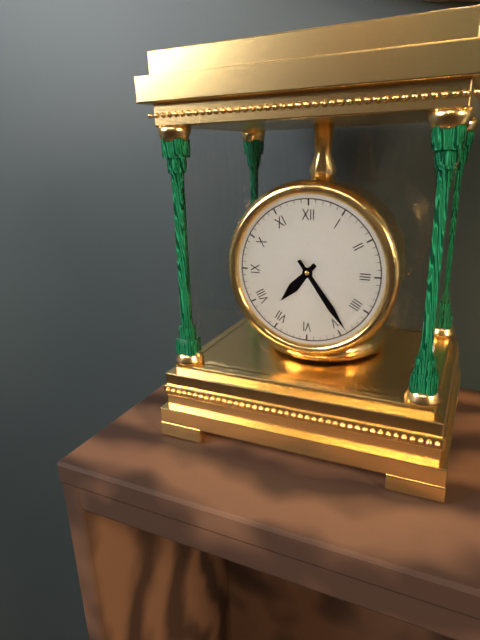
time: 7:24
